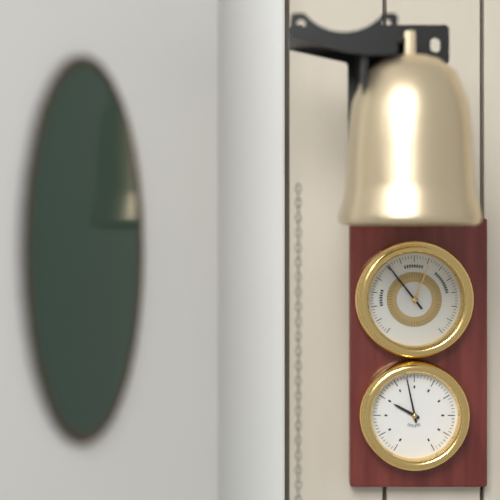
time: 9:58
